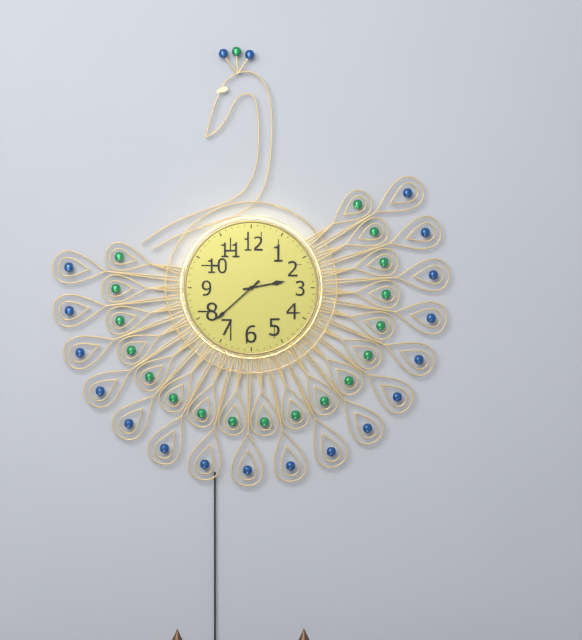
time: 2:38
